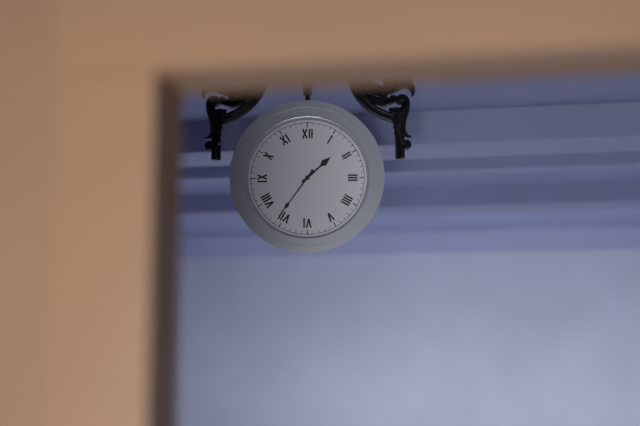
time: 1:36
